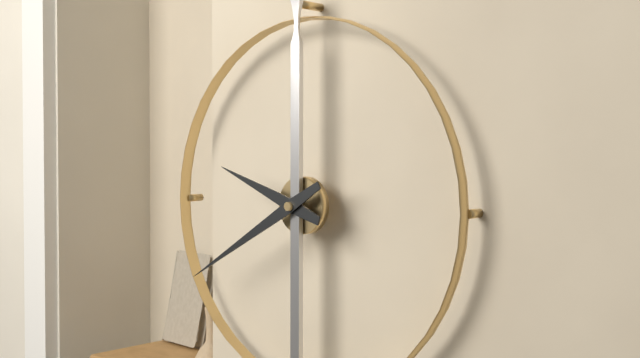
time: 9:40
